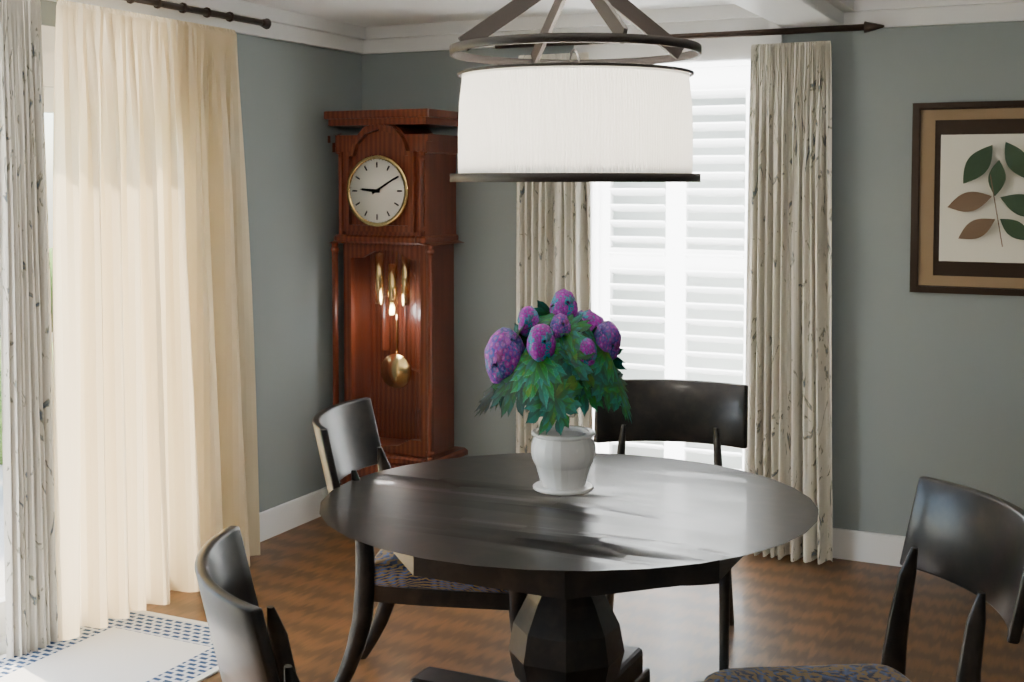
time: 9:10
